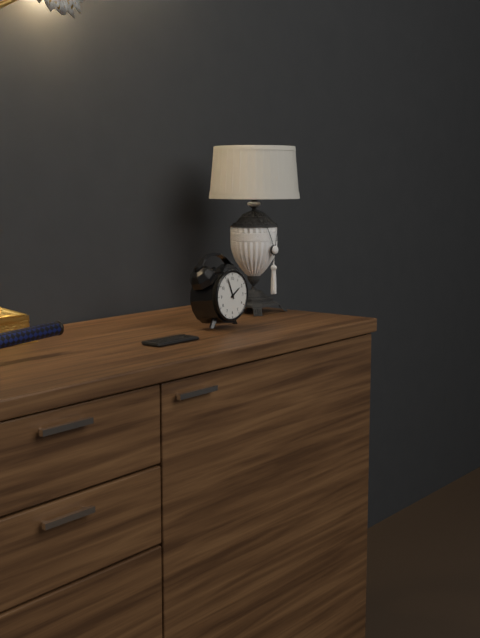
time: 1:56
